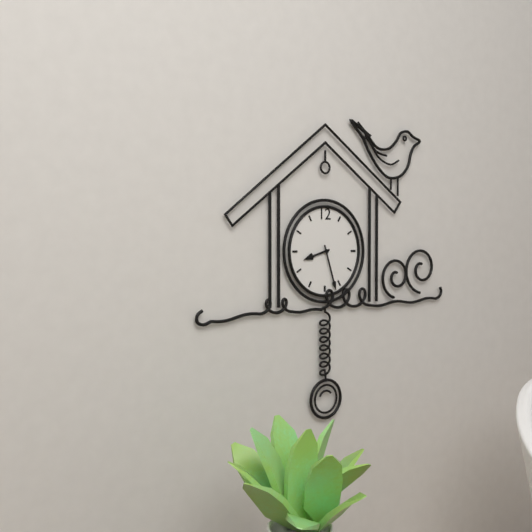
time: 8:27
